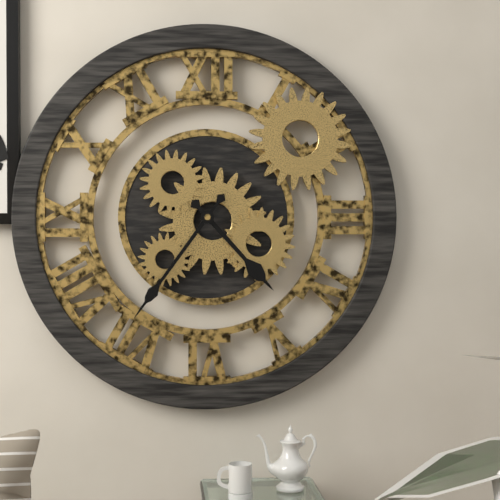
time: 4:36
